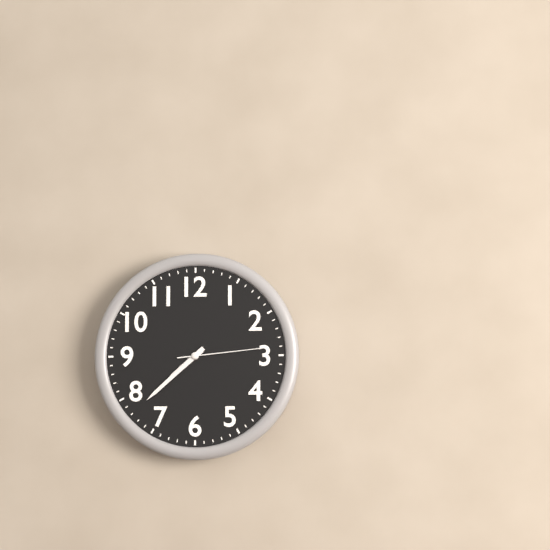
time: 7:38:14
